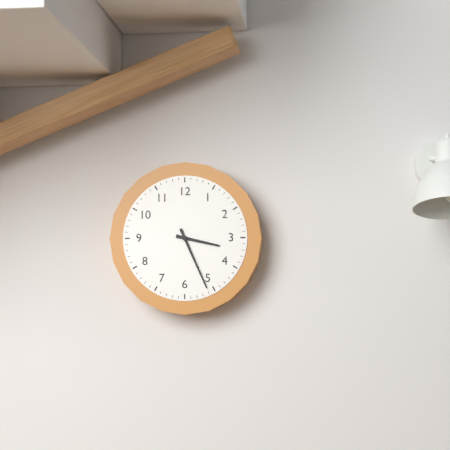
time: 3:26
